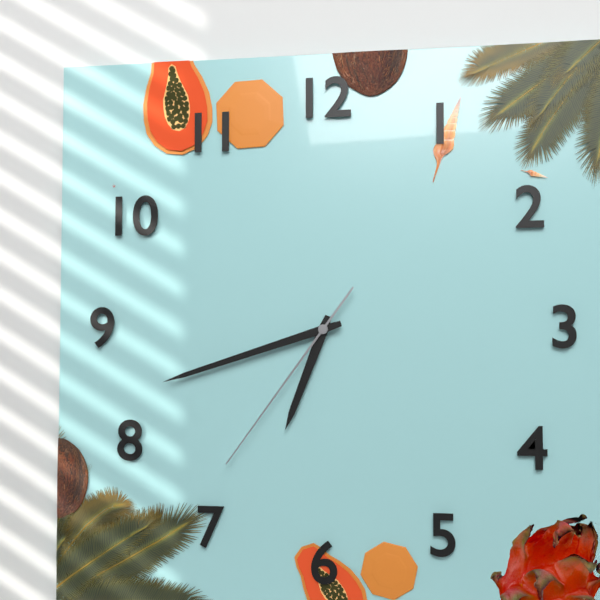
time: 6:42:36
